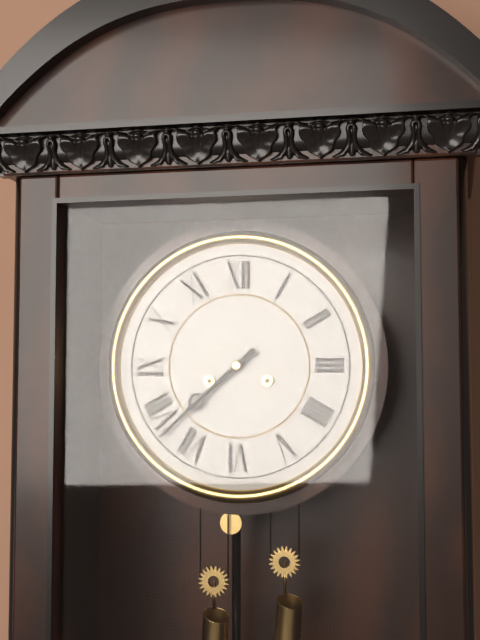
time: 7:38
